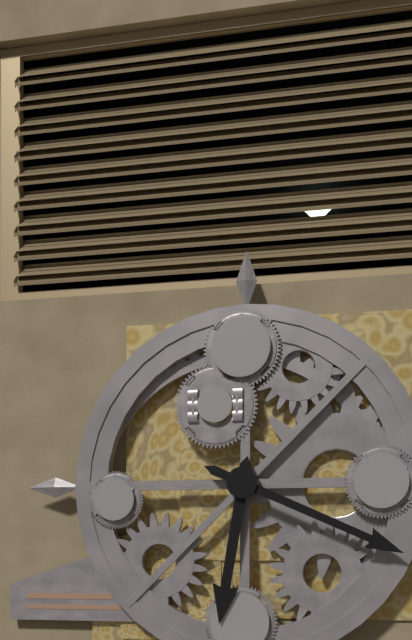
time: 6:19
